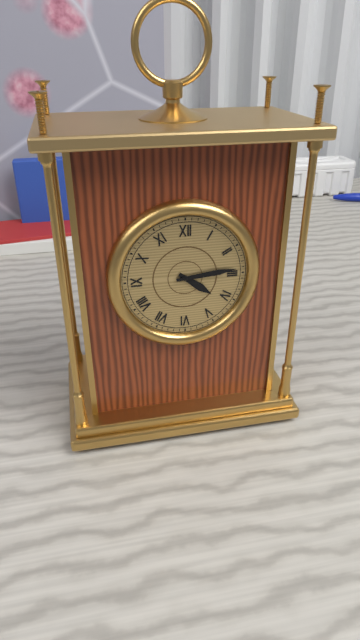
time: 4:14
